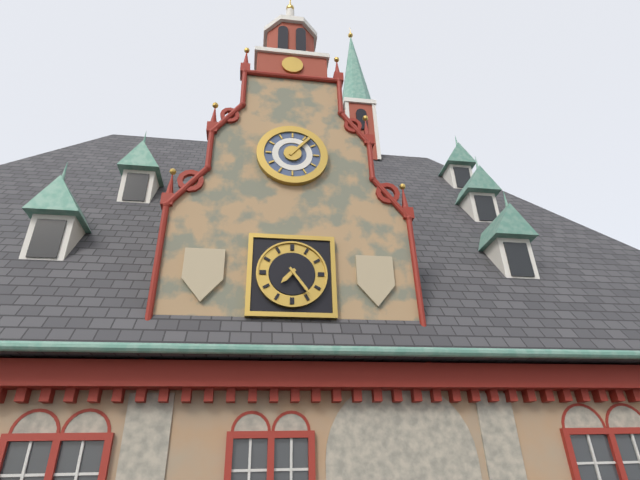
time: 7:24
